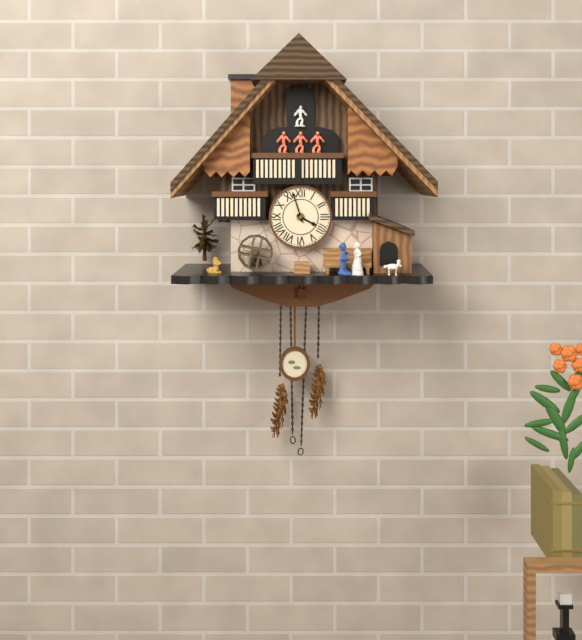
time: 3:57
